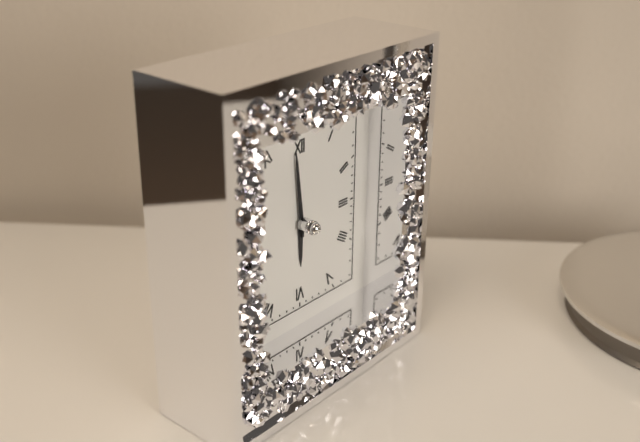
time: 5:59
